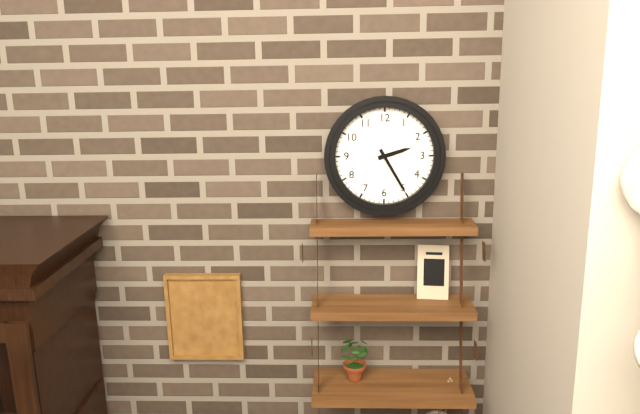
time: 2:25
